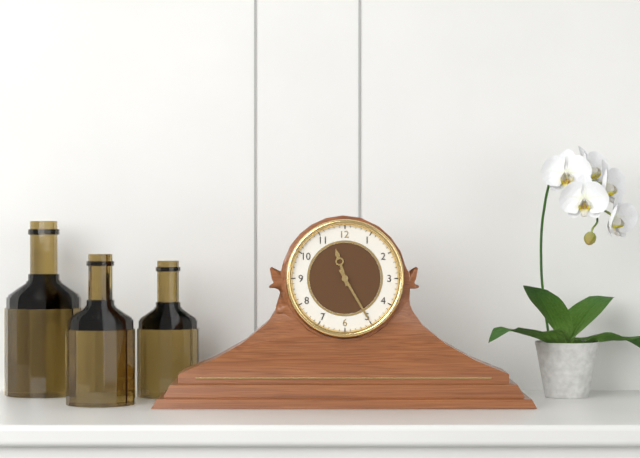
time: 11:25
